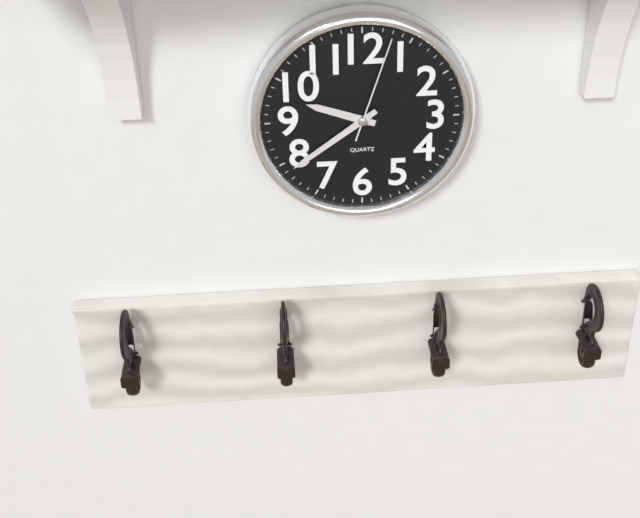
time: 9:39:03
